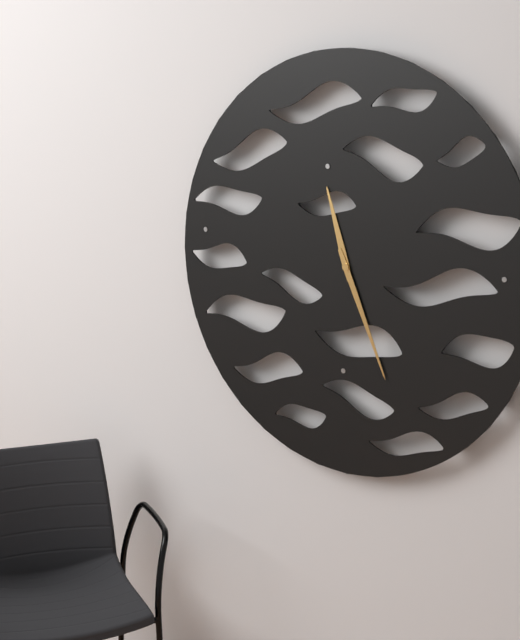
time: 11:26
